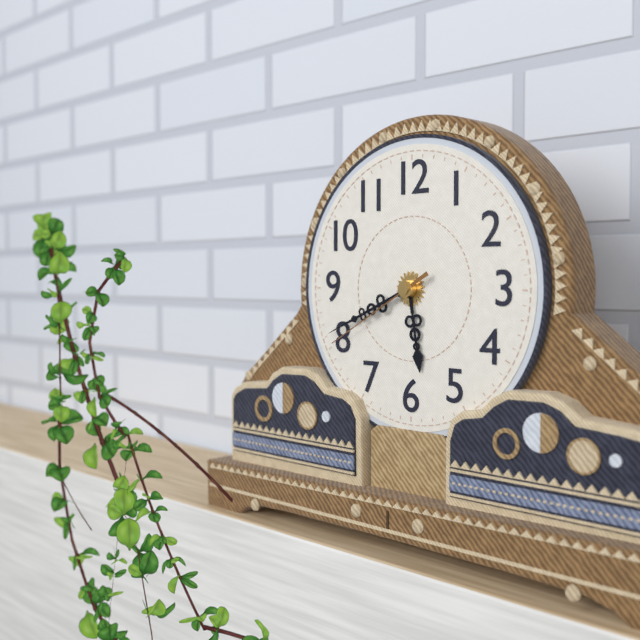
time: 5:41:40
